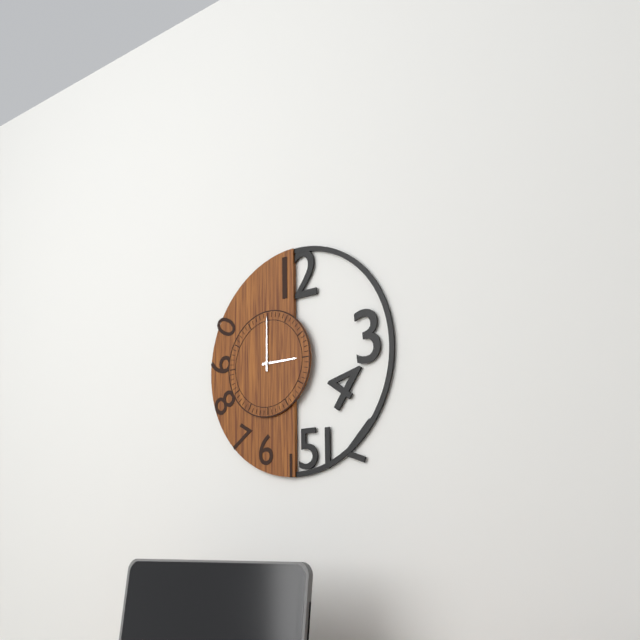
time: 3:00
